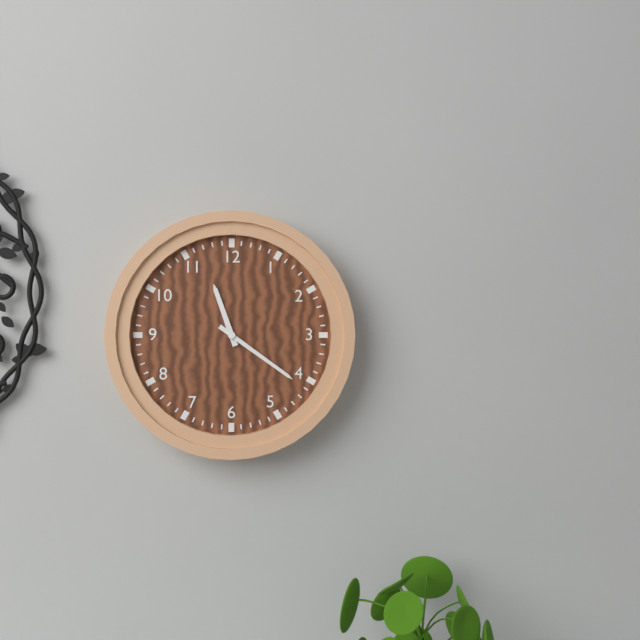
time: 11:21
